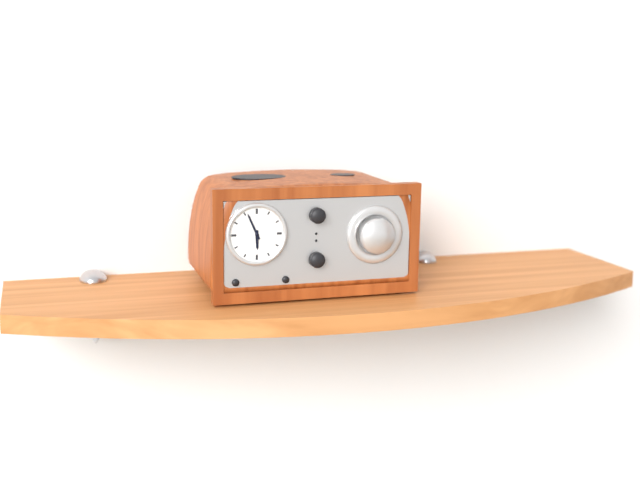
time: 5:56
